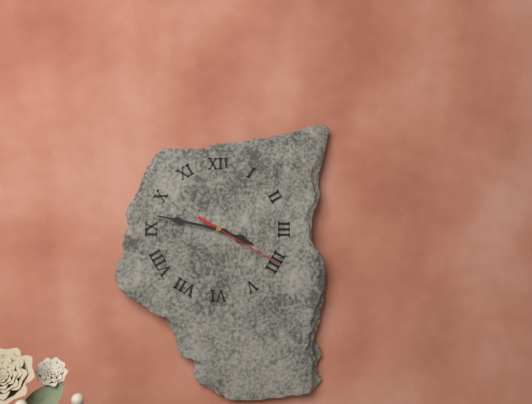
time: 3:47:20
